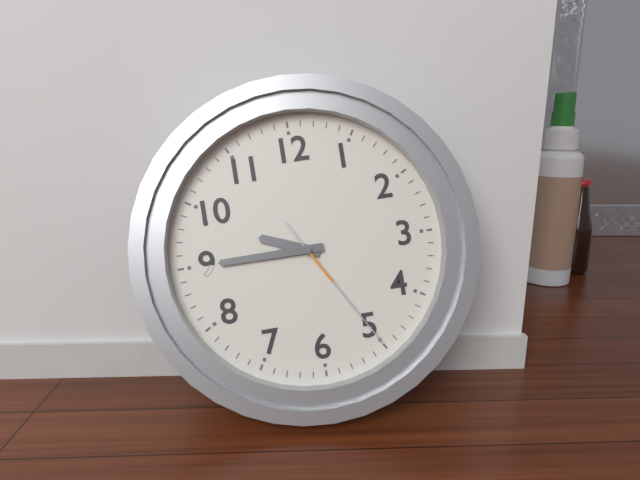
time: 9:45:25
